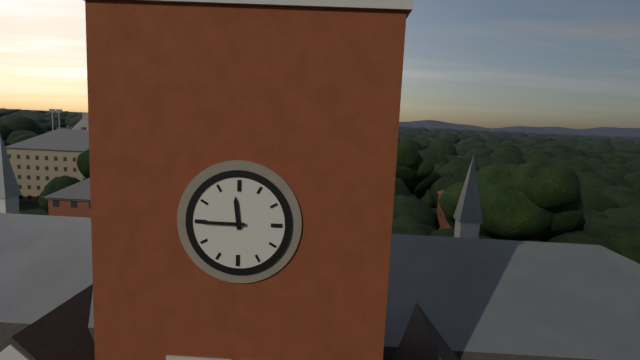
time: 11:45
